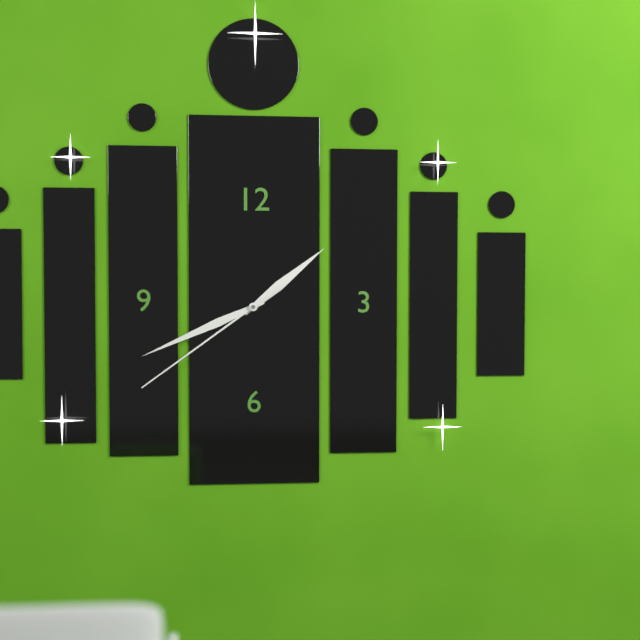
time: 1:41:39
